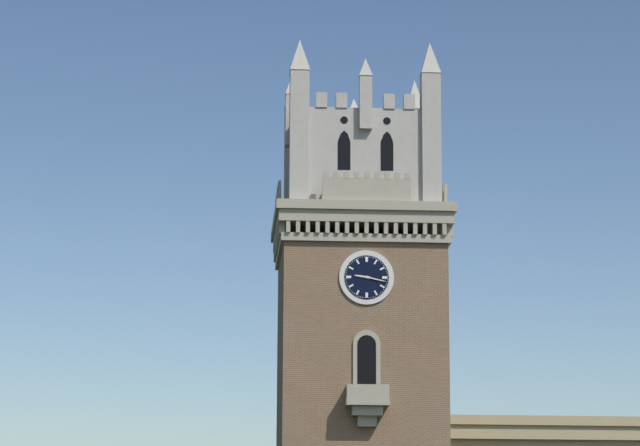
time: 9:17
